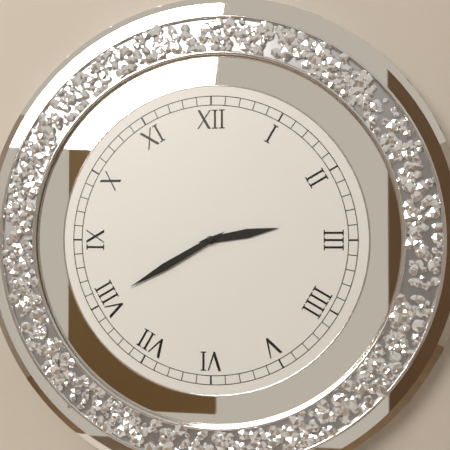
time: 2:40
